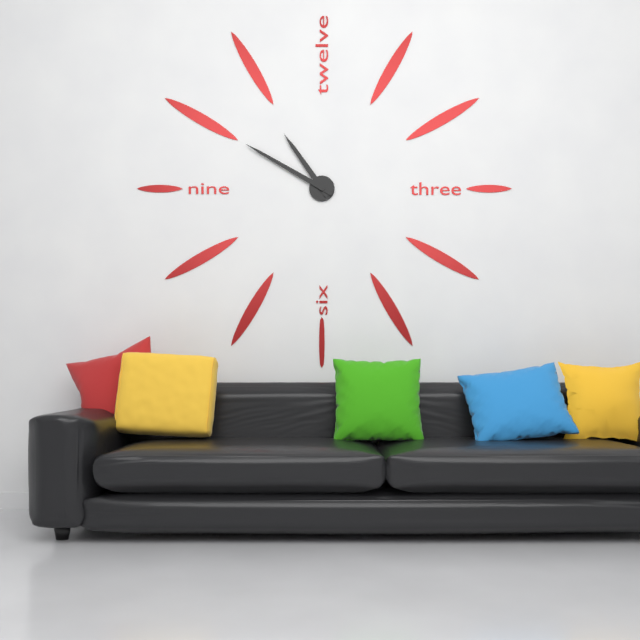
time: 10:50
